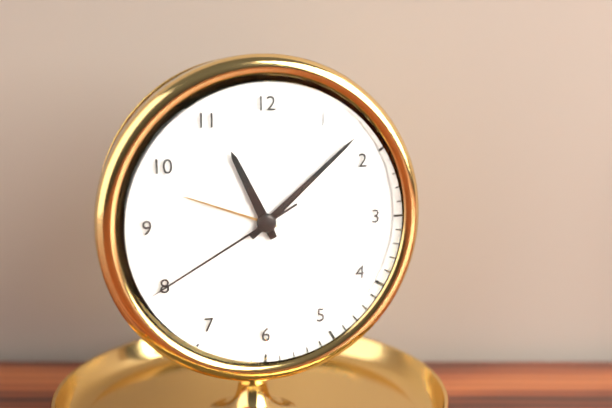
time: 11:08:40
